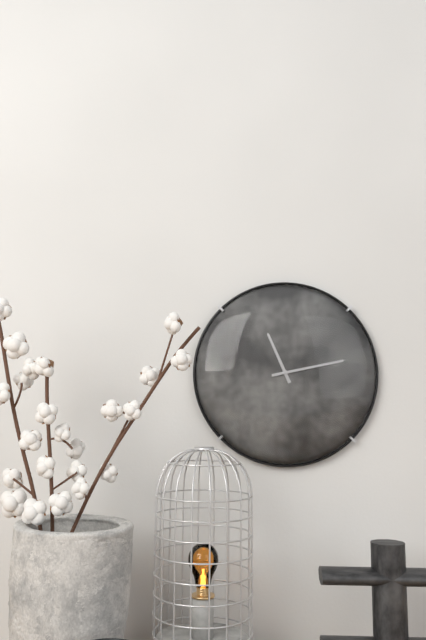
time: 11:13
